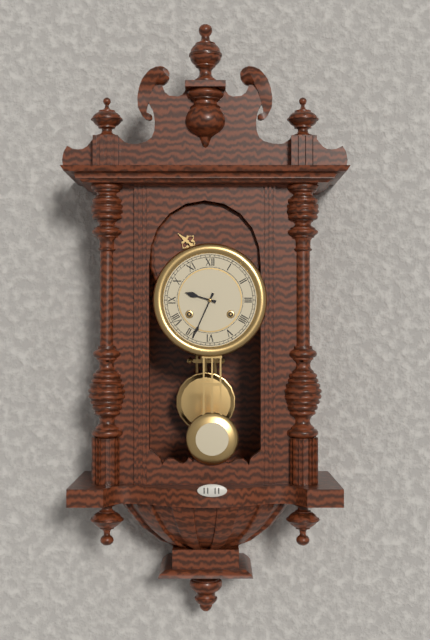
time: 9:34
